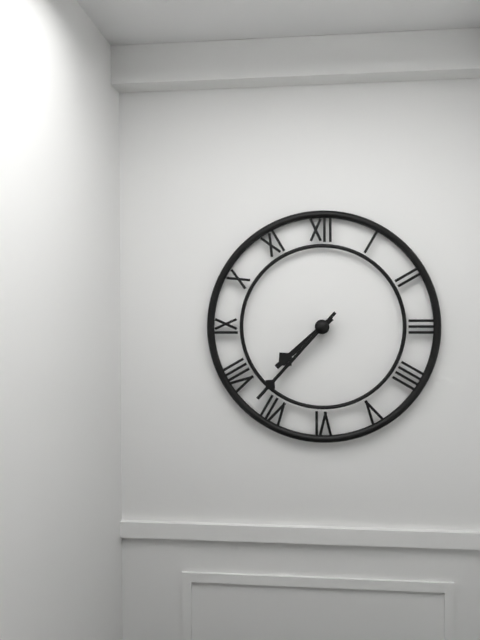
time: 7:37
